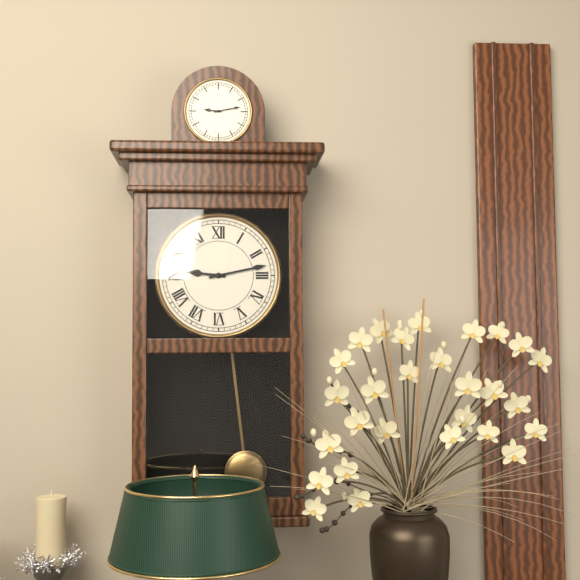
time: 9:13
